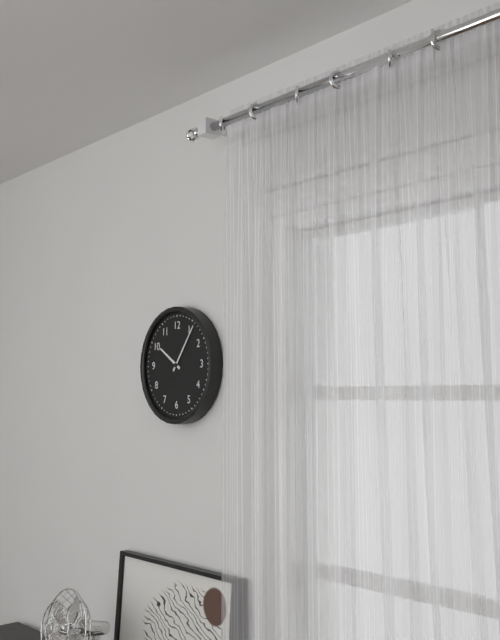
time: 10:06
